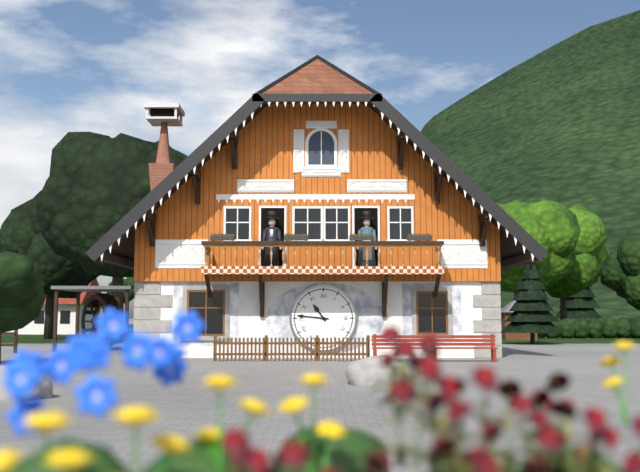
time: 10:46
